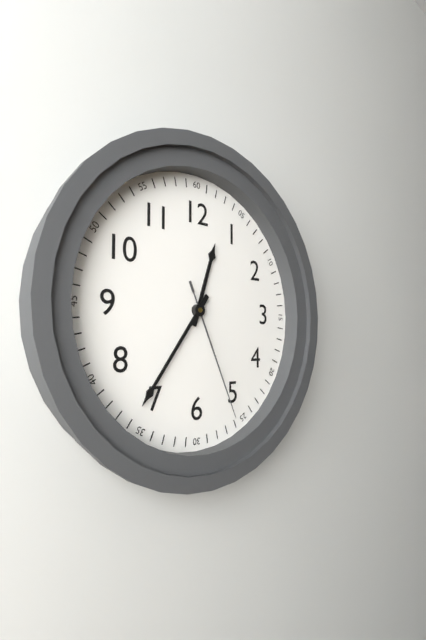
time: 12:36:26
